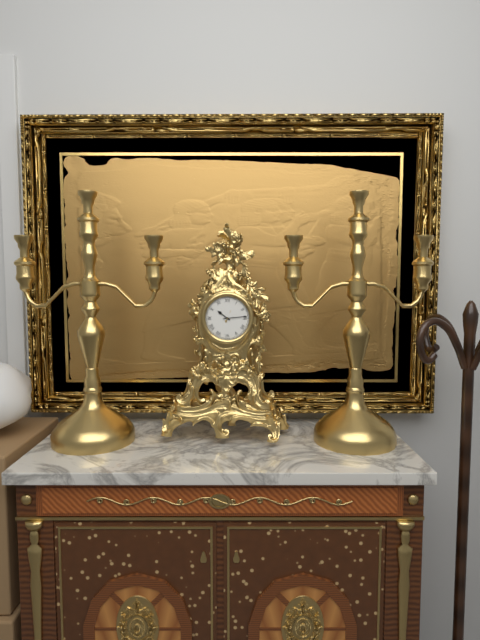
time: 10:14
